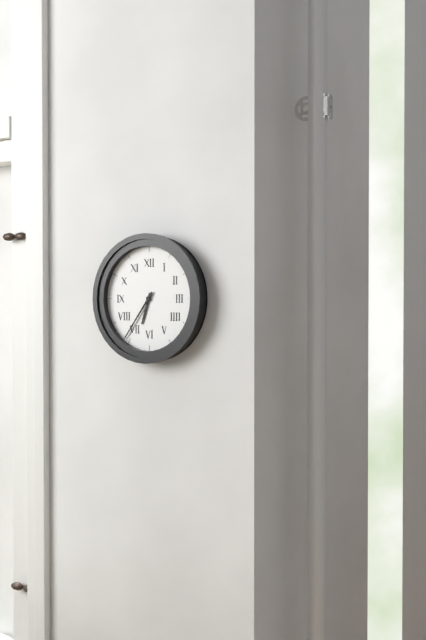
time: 6:36
